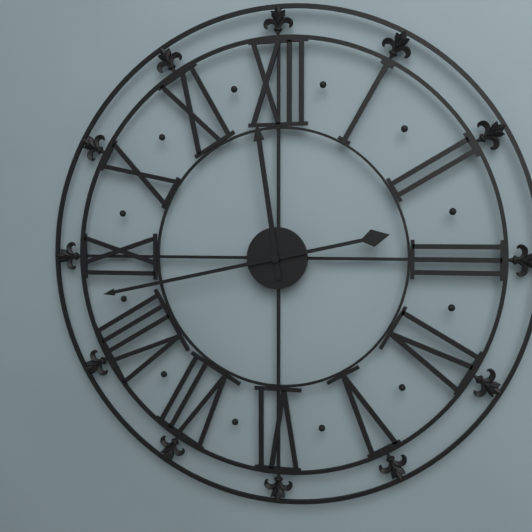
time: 11:43
